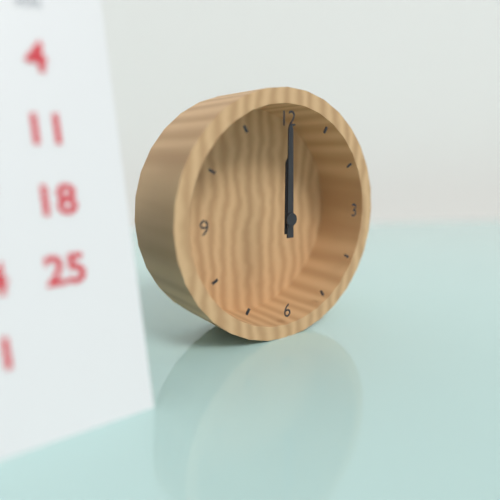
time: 12:00
